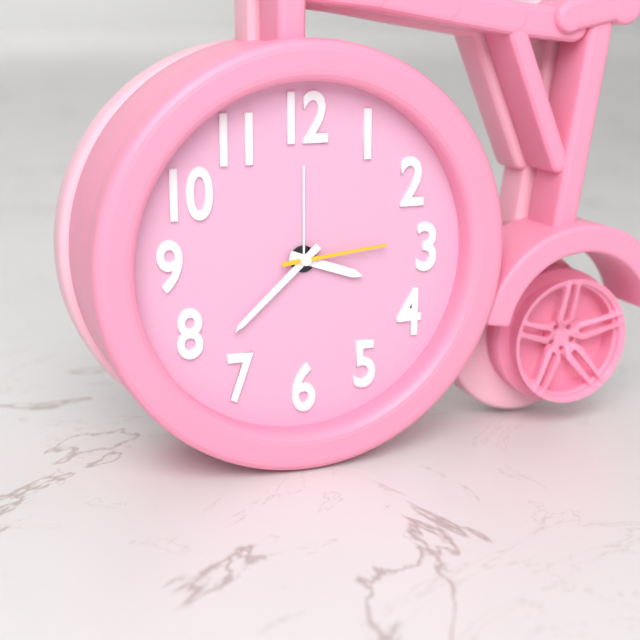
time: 3:38:14
